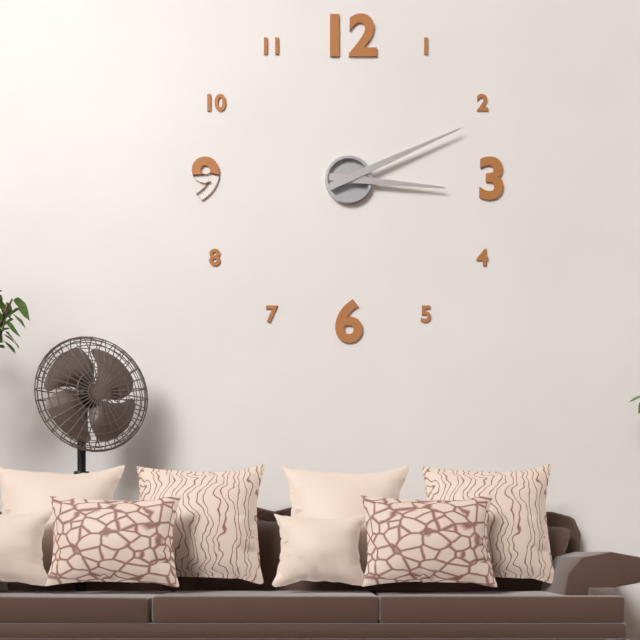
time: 3:11
